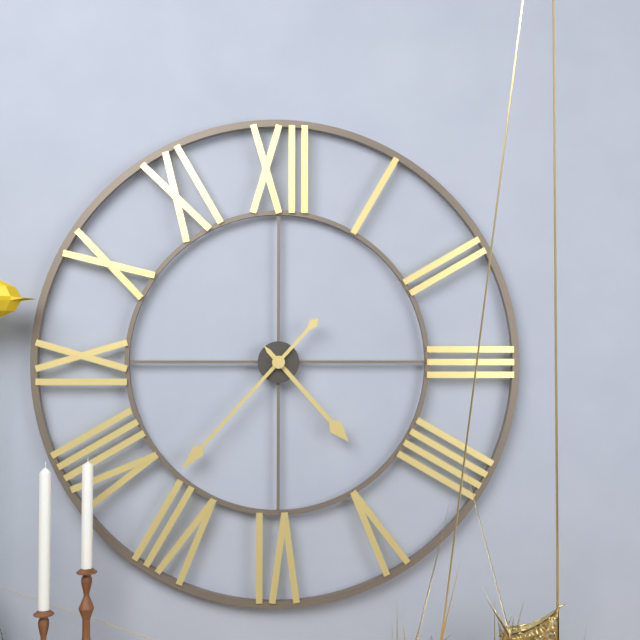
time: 4:37
